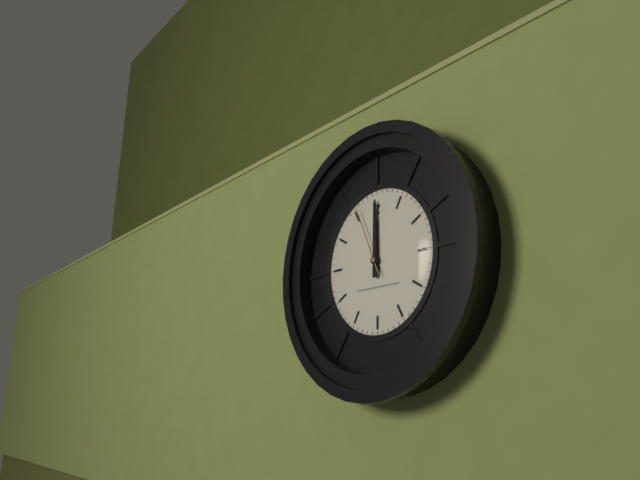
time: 12:00:56
